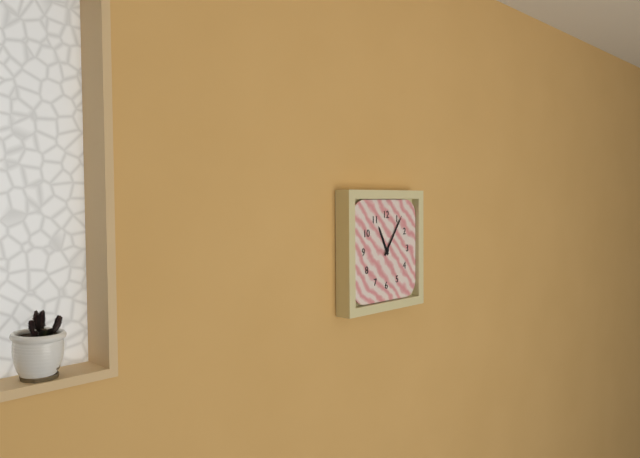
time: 11:06
